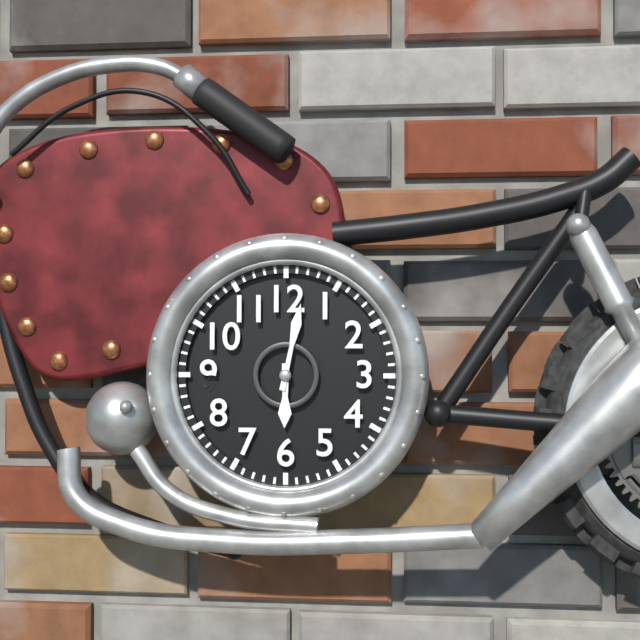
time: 6:02
